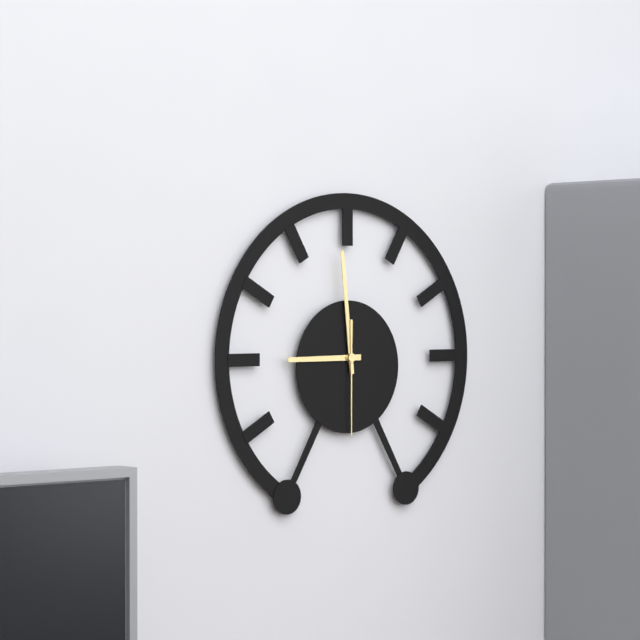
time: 8:59:30
